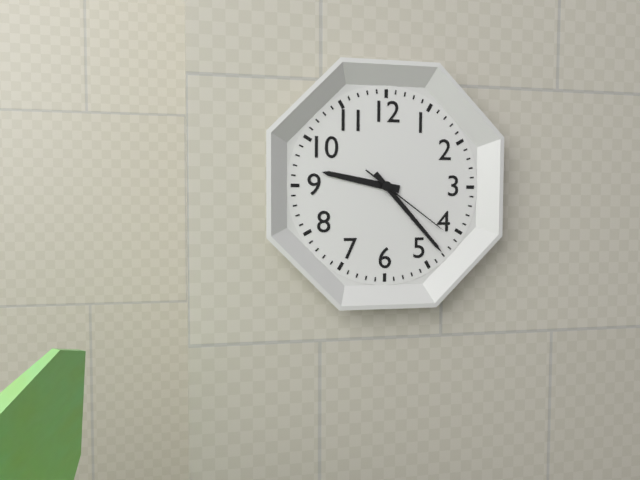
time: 9:23:21
